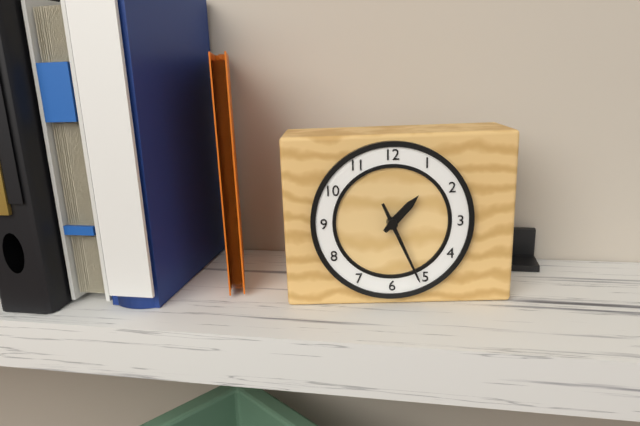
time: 1:26
